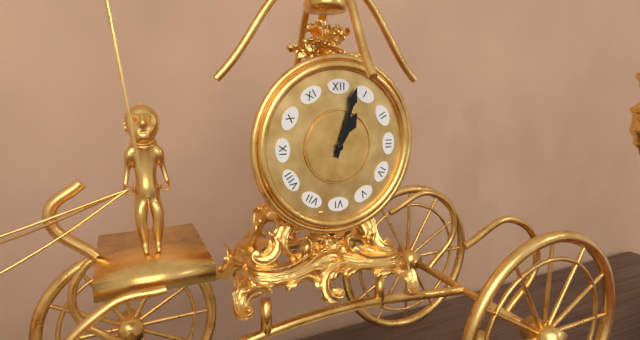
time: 1:03
